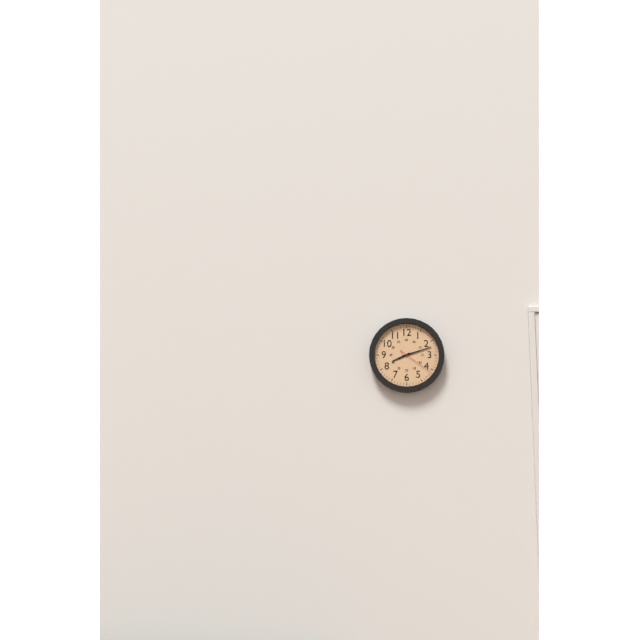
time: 8:12
